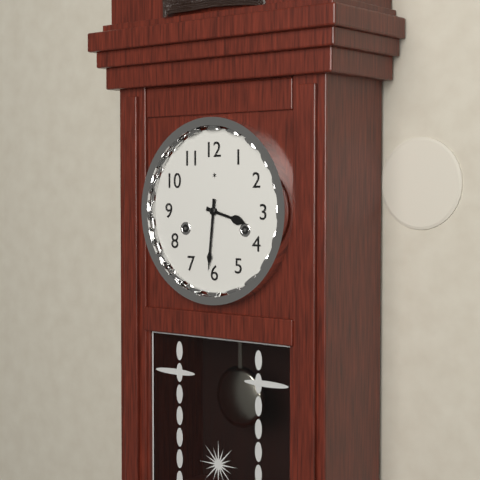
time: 3:31
